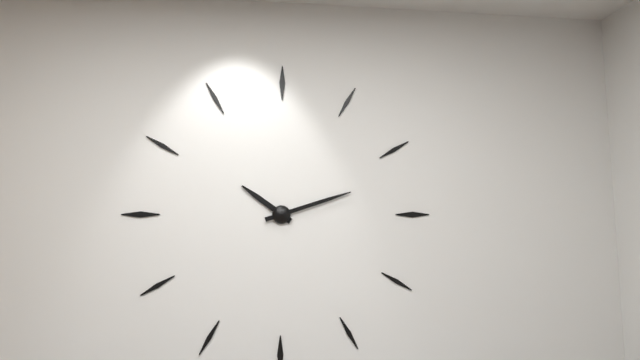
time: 10:12
